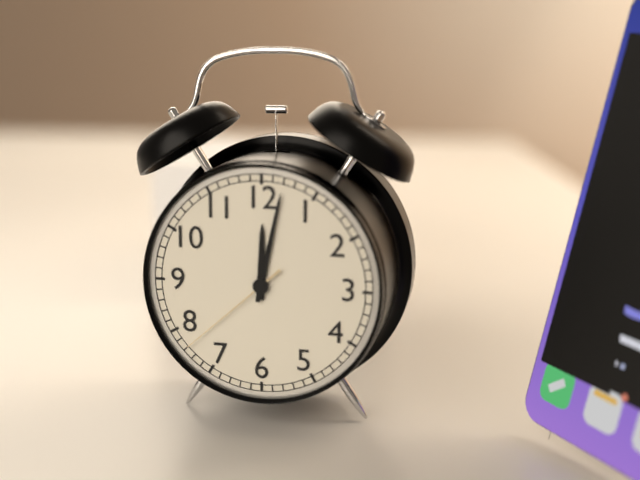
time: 12:02:38
